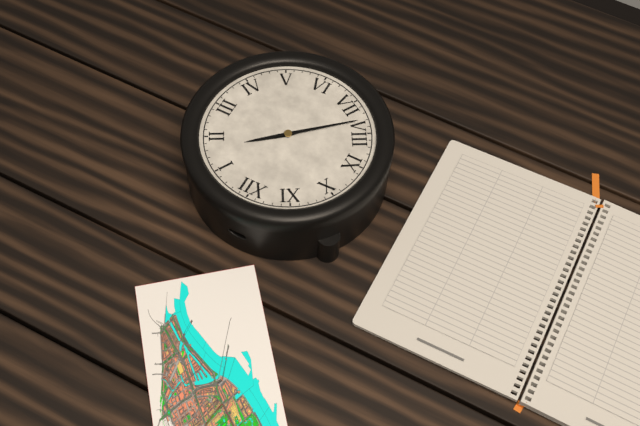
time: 1:38
